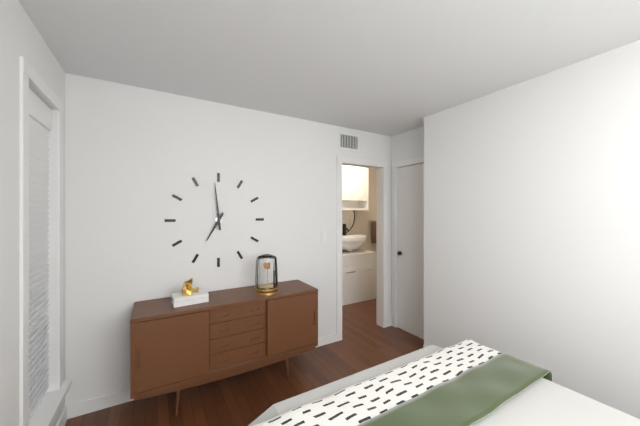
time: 6:59
